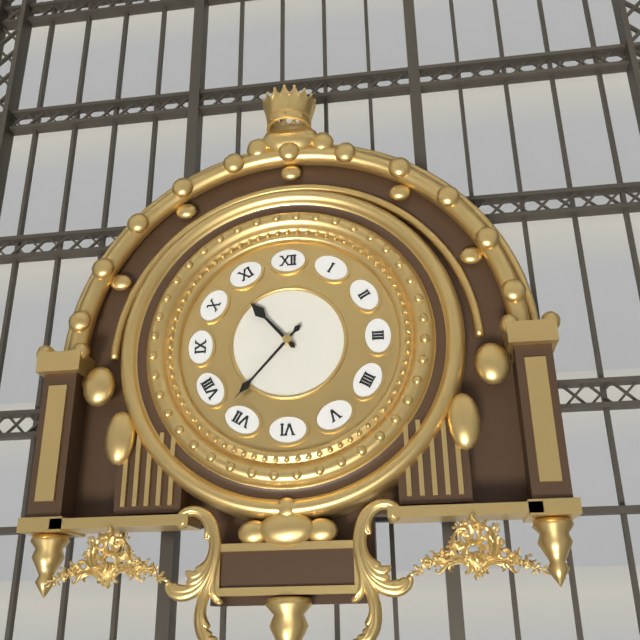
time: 10:37
